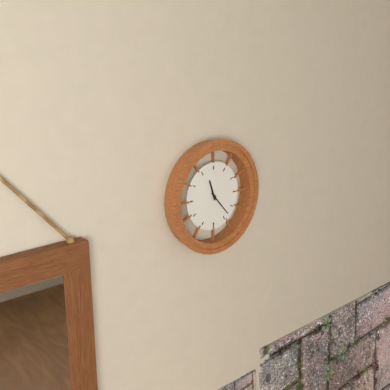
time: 11:23
